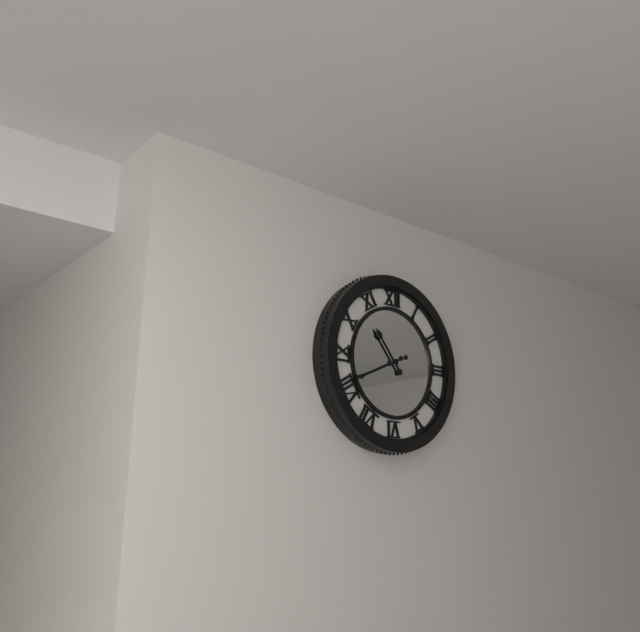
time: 10:41
